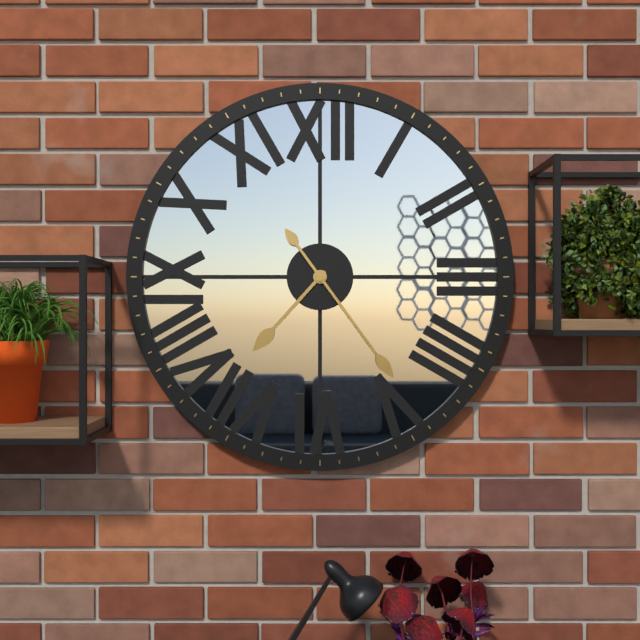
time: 7:24
